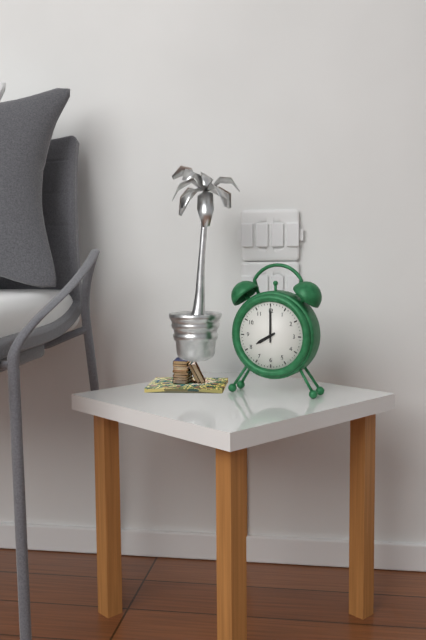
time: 8:00
